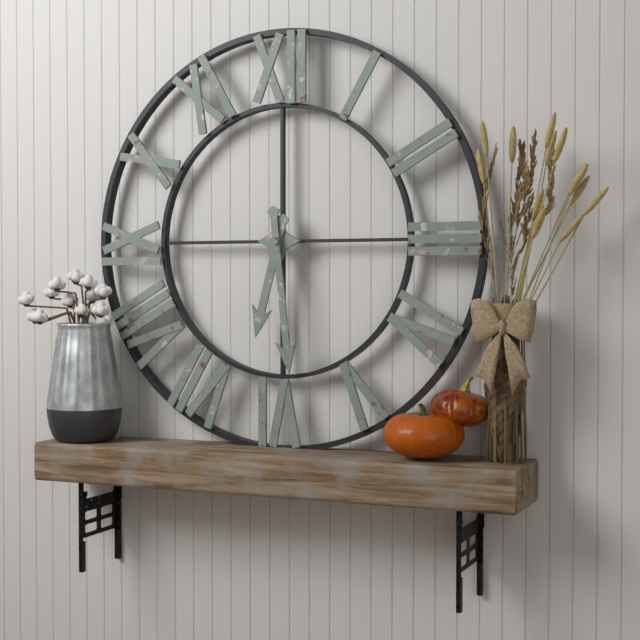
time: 6:29
